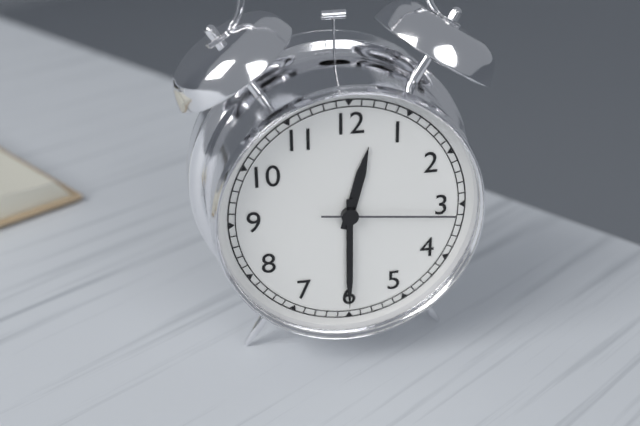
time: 12:30:16
